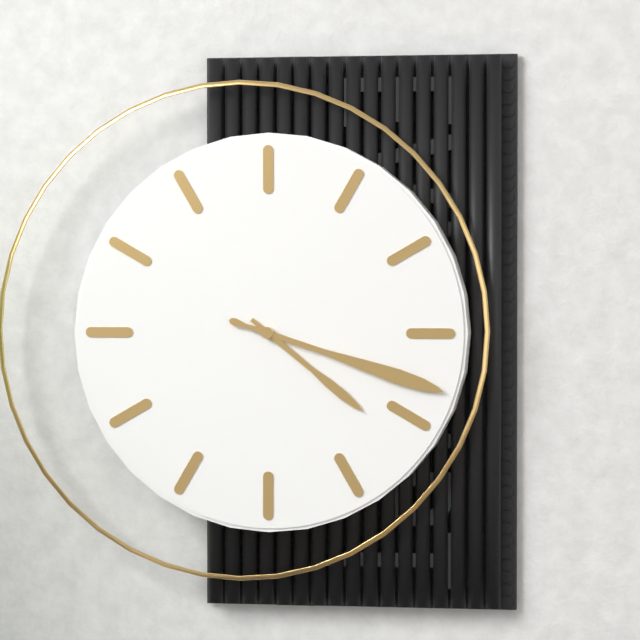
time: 4:18
